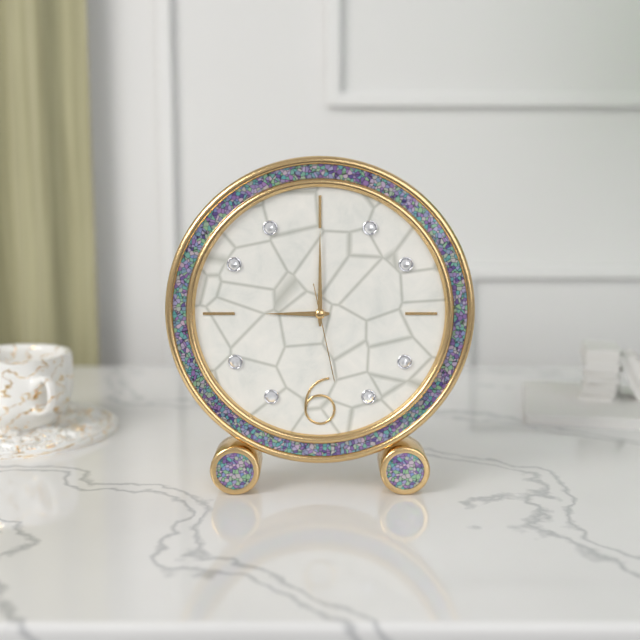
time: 9:00:28
